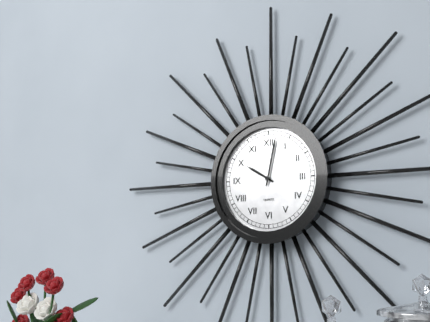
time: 10:02
